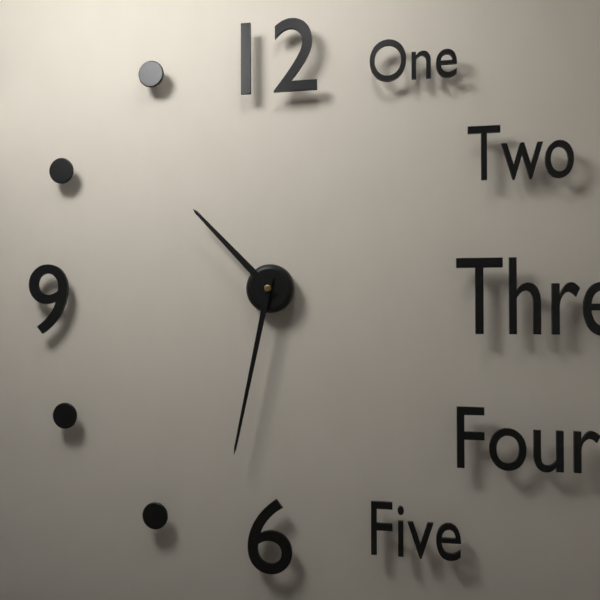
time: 10:32
